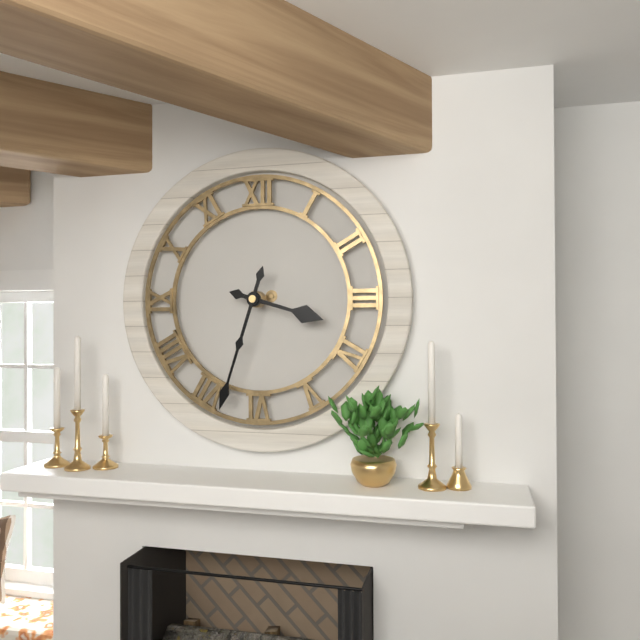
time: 3:33
